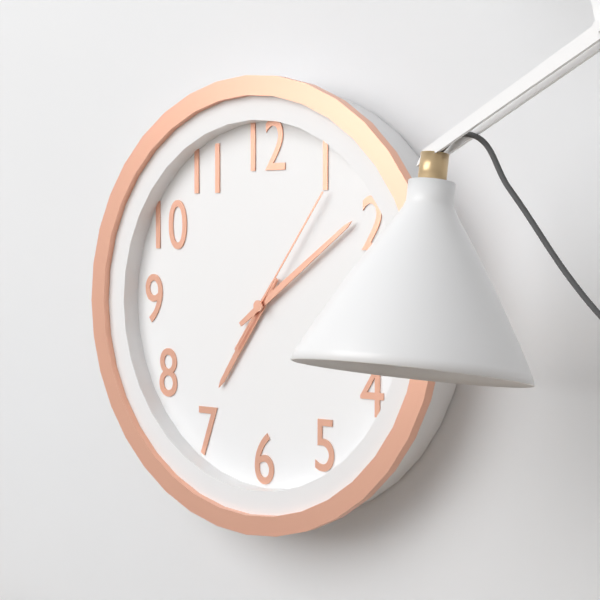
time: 7:09:06
